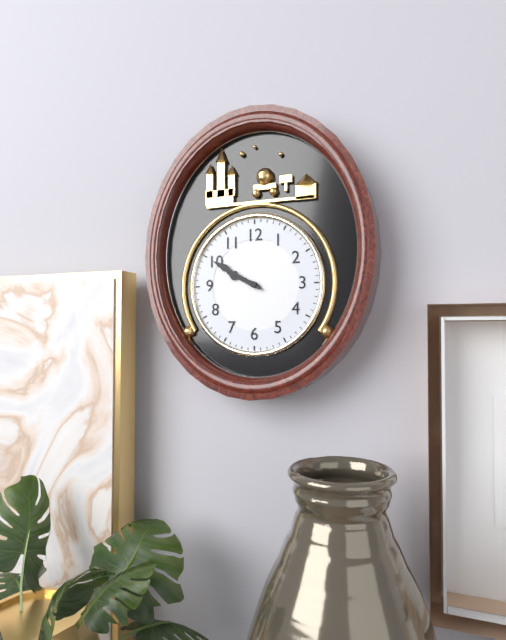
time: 9:50
